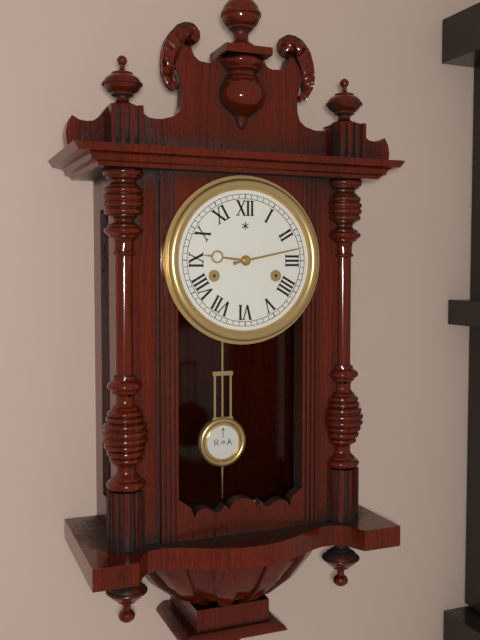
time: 9:13
